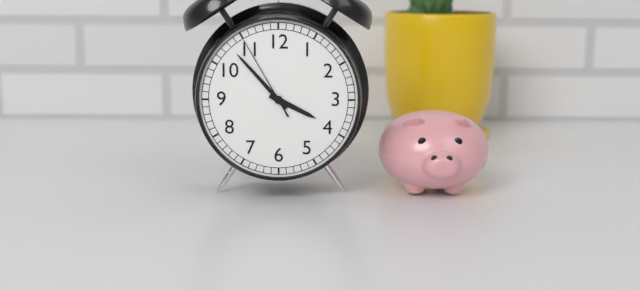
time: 3:53:55
